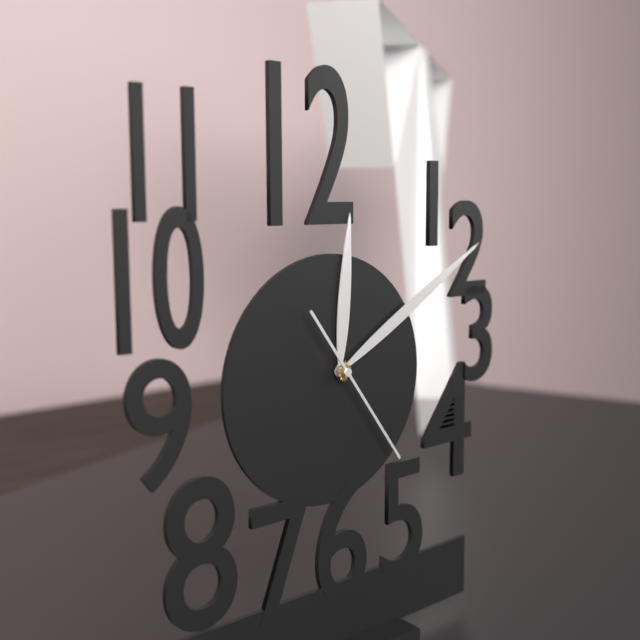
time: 12:10:24
